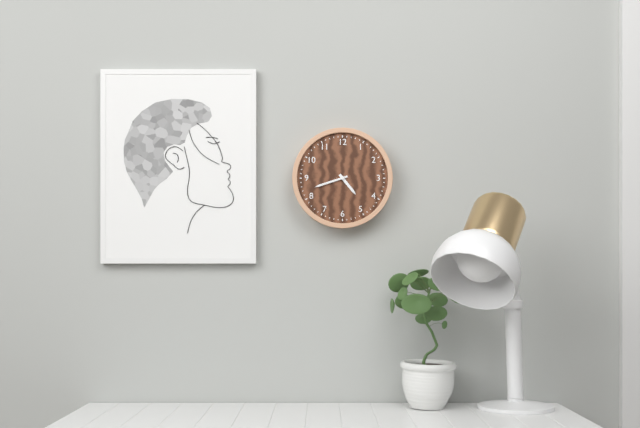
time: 4:42
